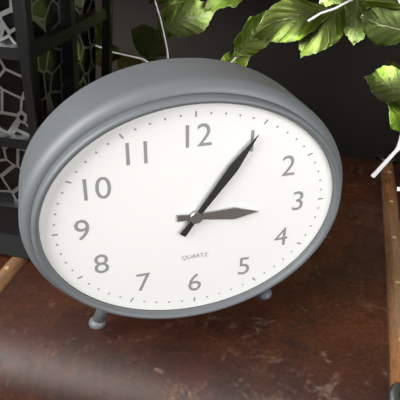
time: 3:06
